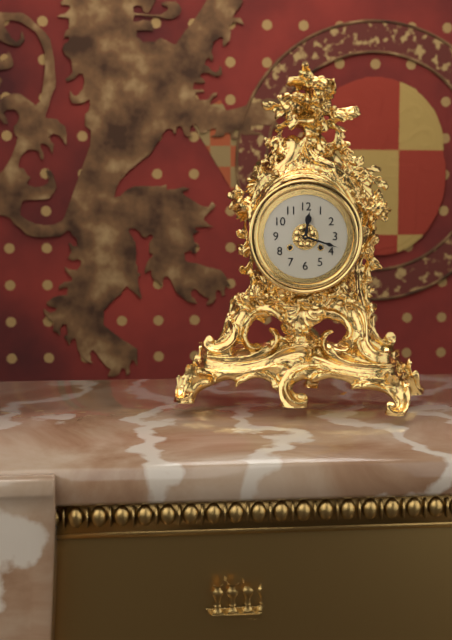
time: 12:18
